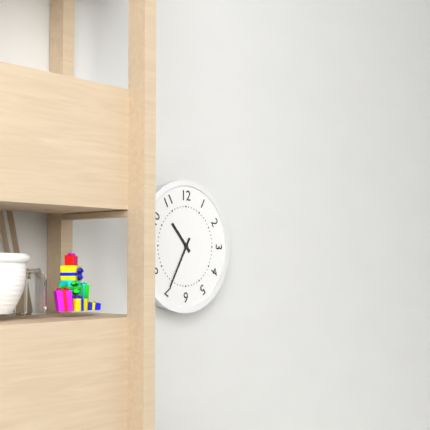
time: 10:35
